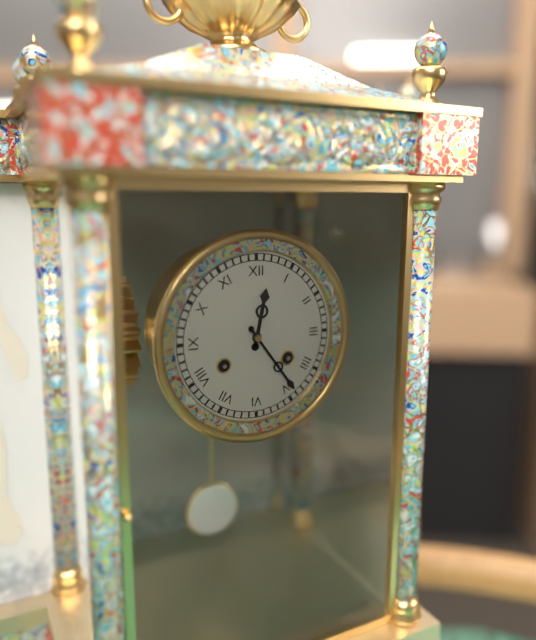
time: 12:24
